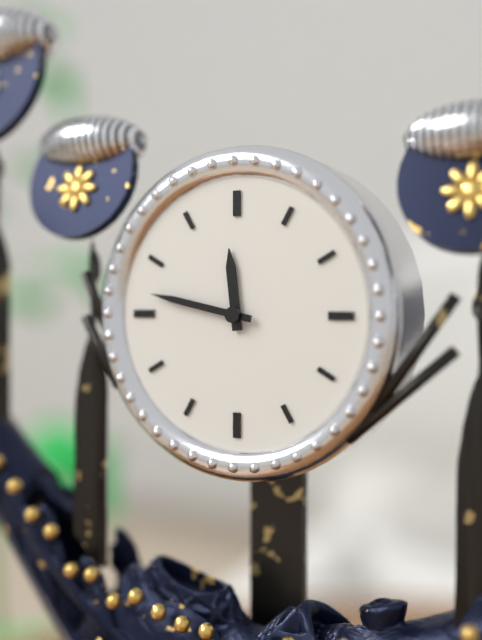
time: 11:47
